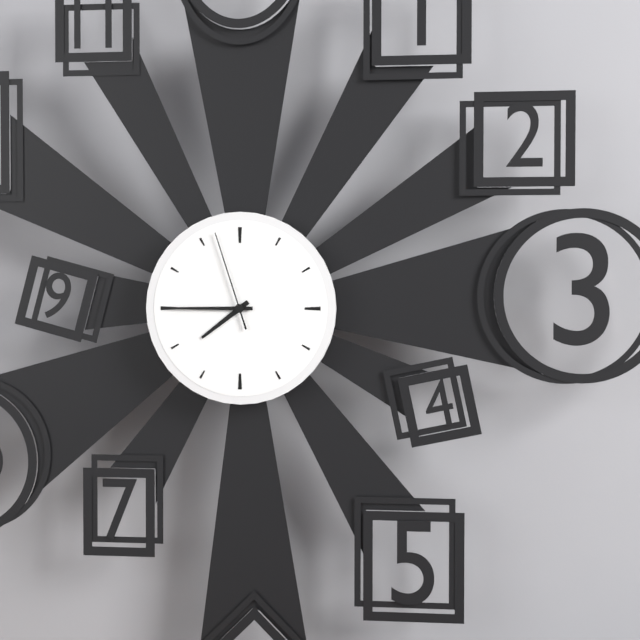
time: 7:45:57
